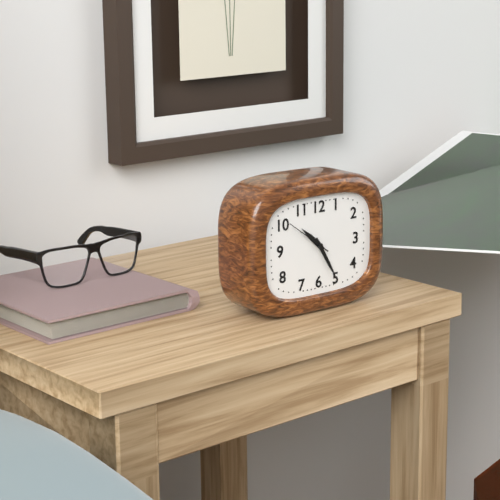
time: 10:25
